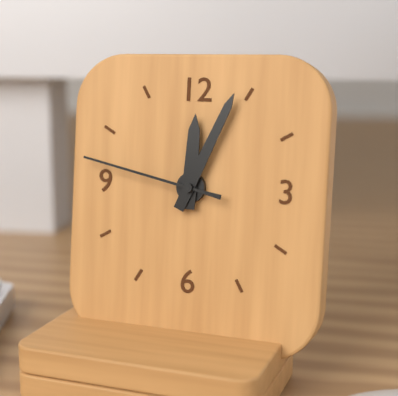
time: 12:04:47
